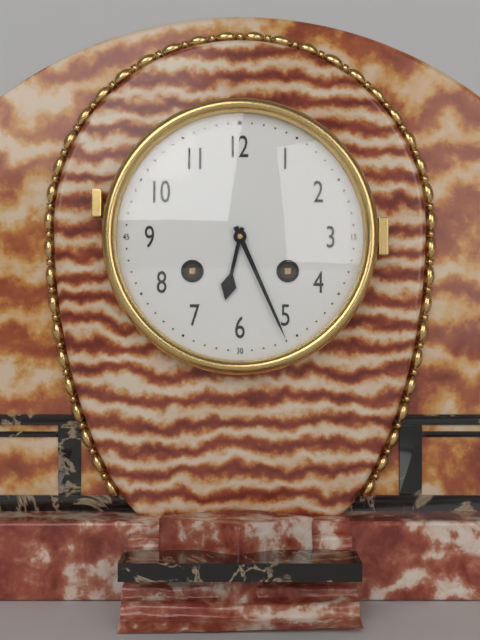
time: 6:26
